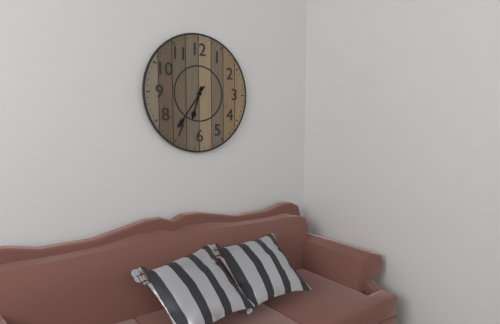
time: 6:36
